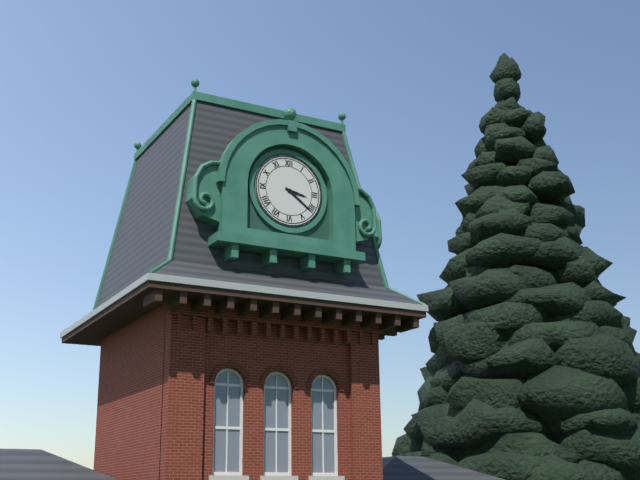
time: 3:21
